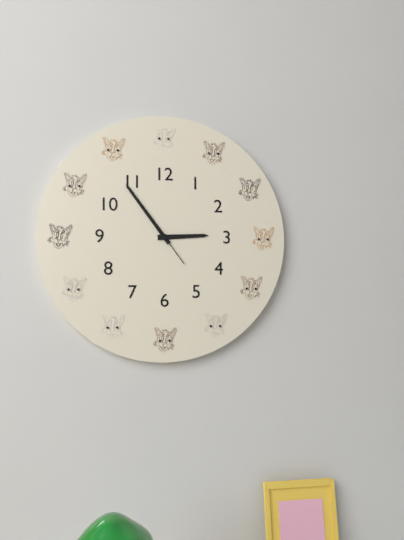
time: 2:54
